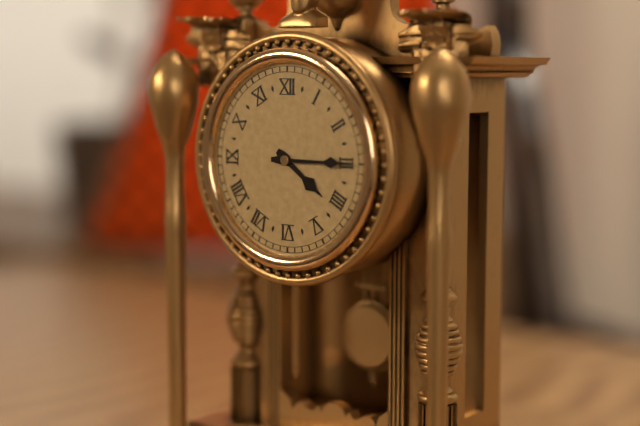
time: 4:15
